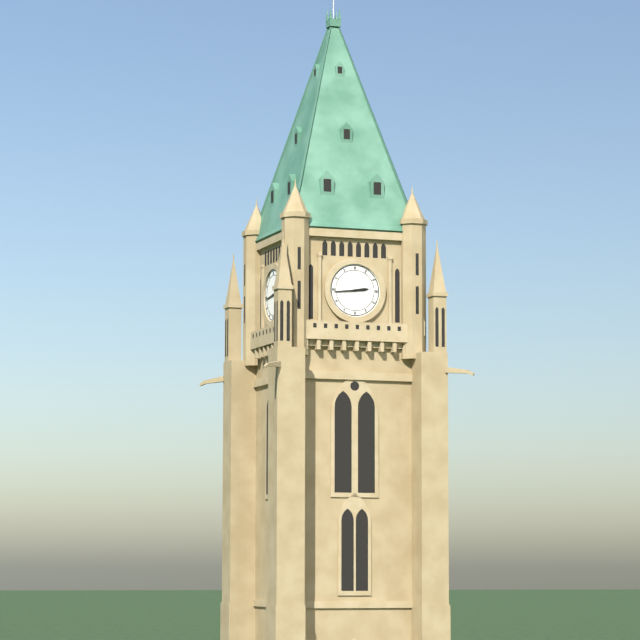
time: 2:44
